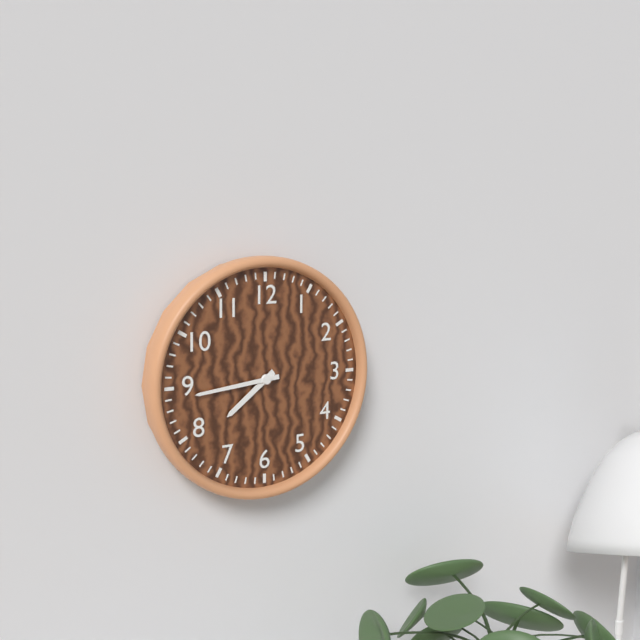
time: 7:44
